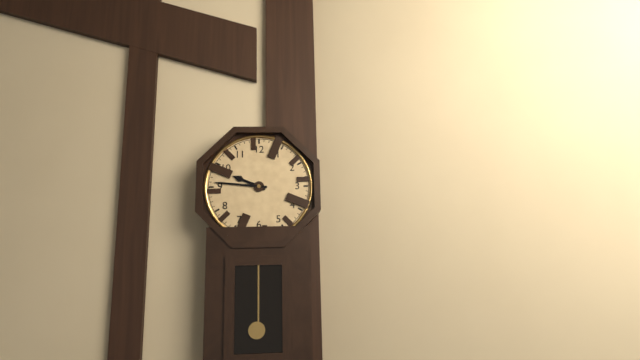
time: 9:46
